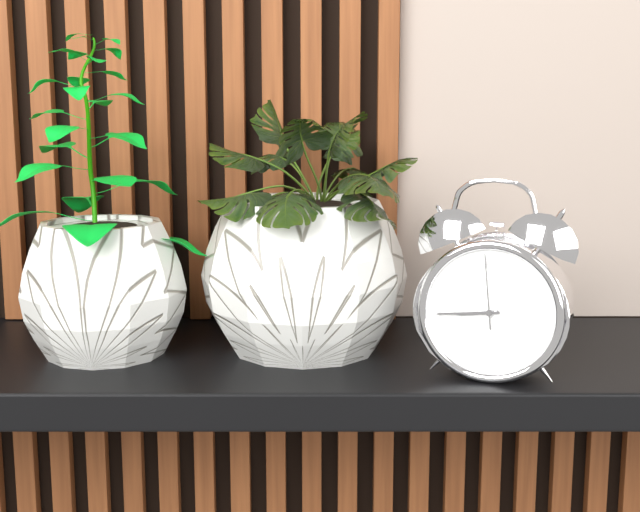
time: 8:44:59
